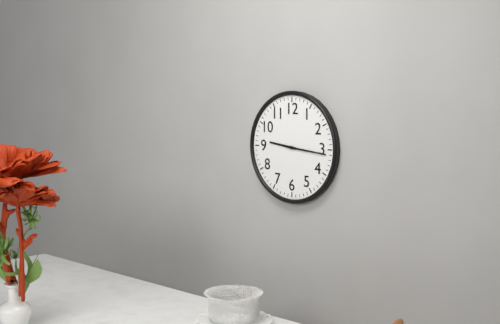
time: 9:16
